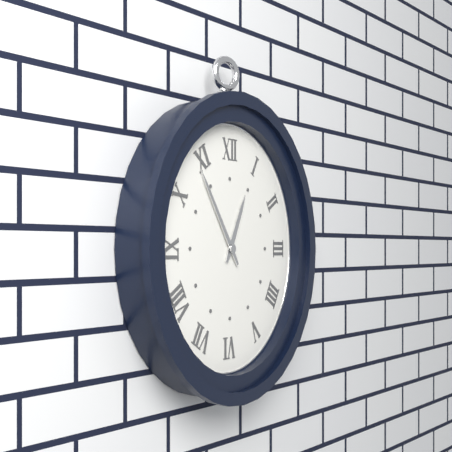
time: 12:54
